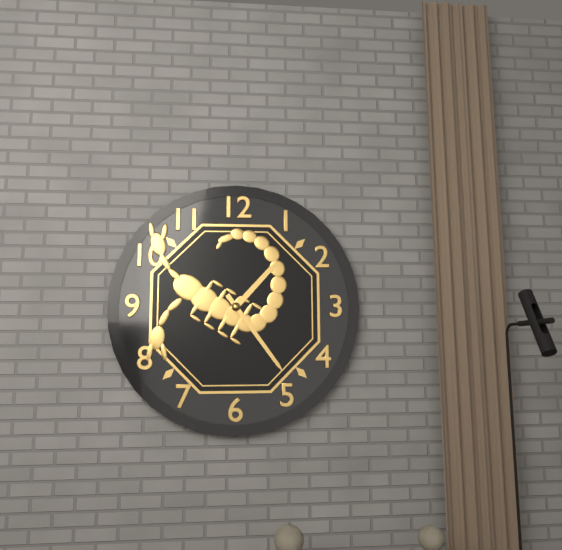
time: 1:24
